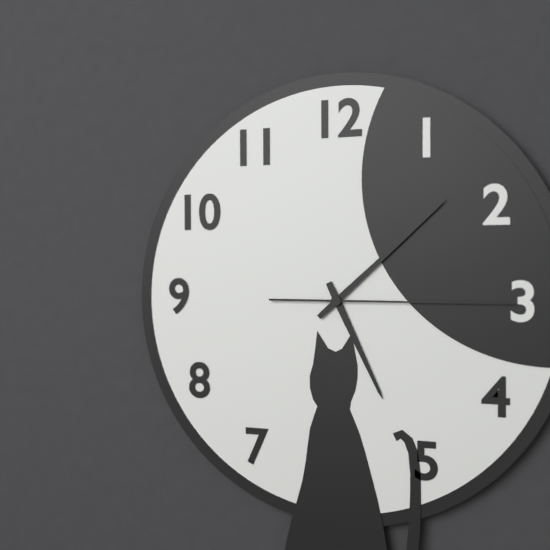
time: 5:08:15
